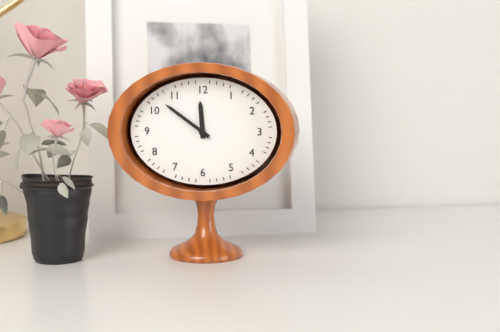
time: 11:51
